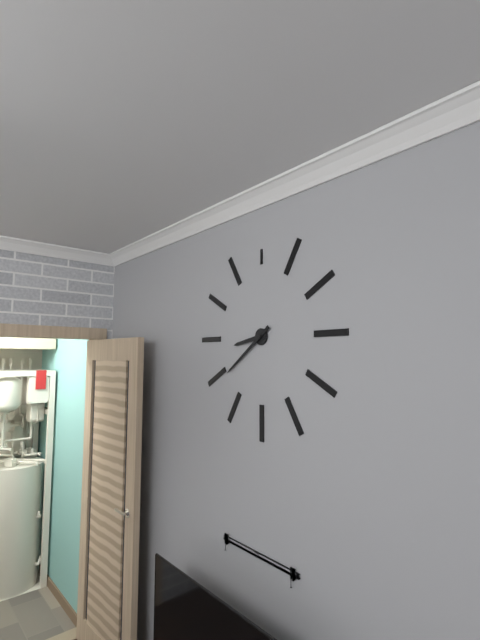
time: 8:39
